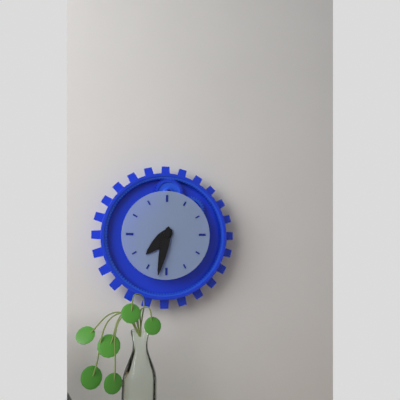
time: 7:32
